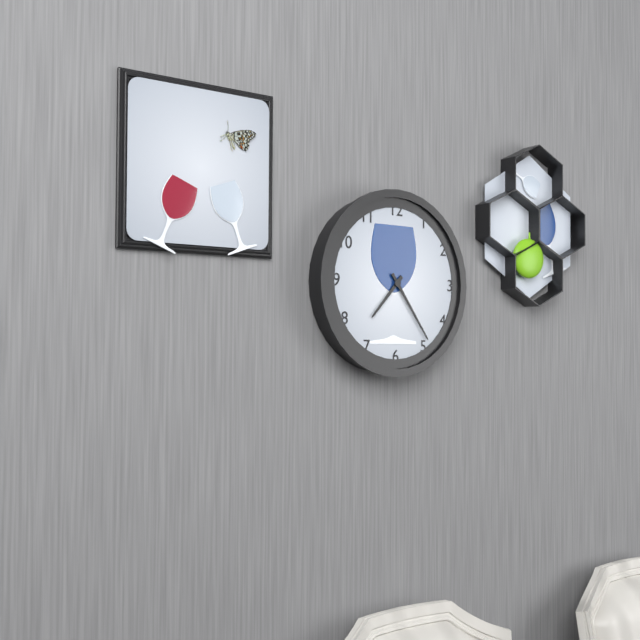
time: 7:24
